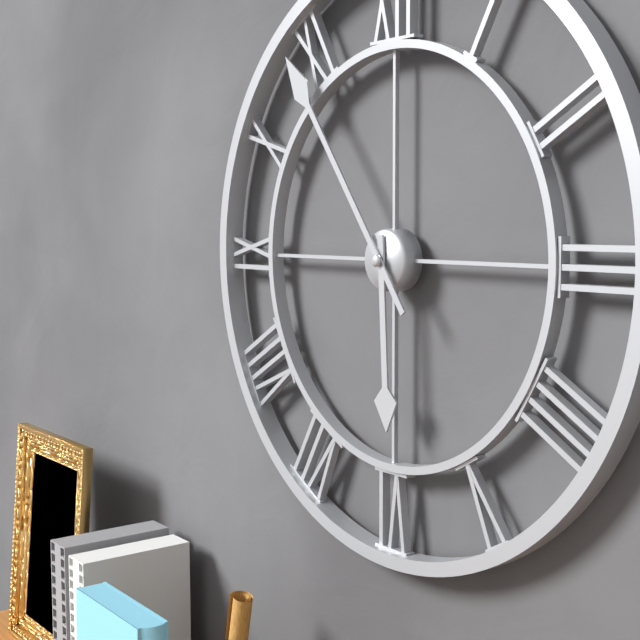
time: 5:54
